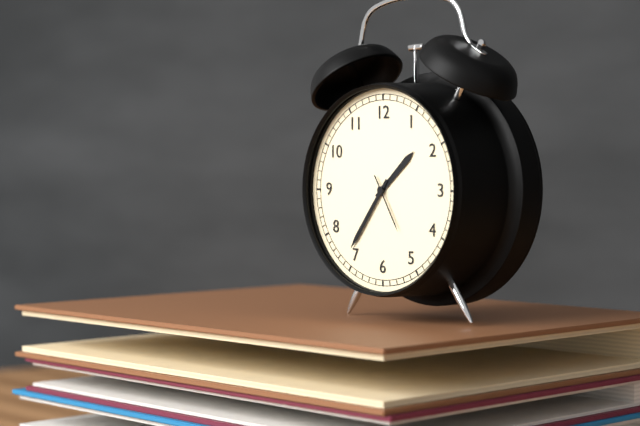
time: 1:36:25
